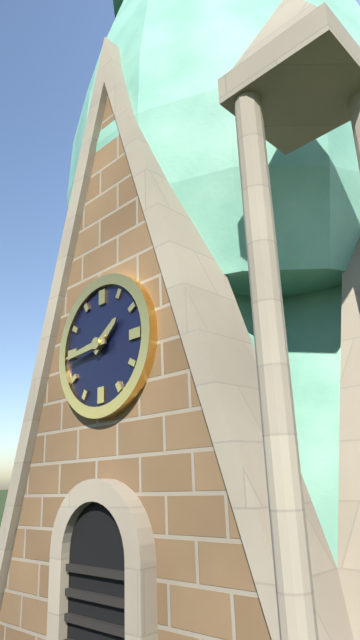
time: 1:44
